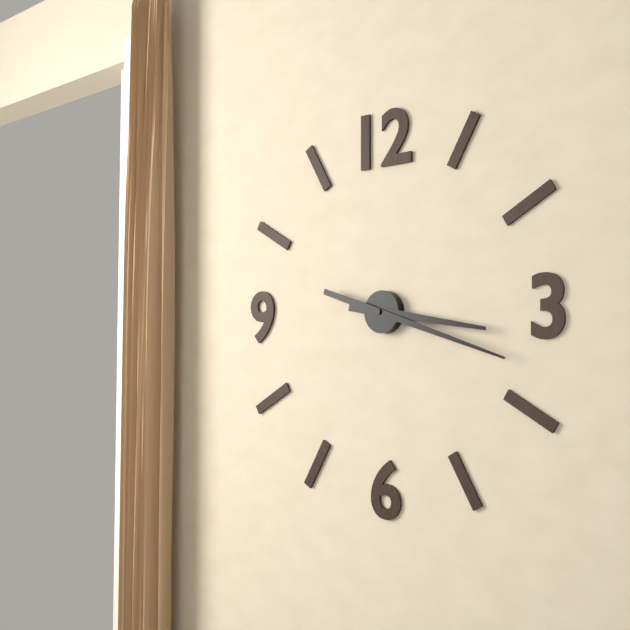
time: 3:18
